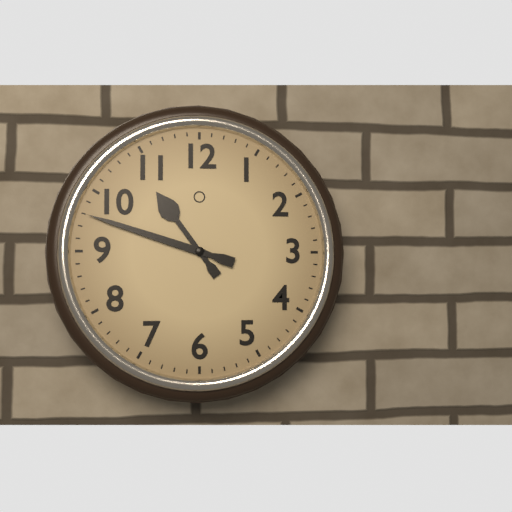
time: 10:48
